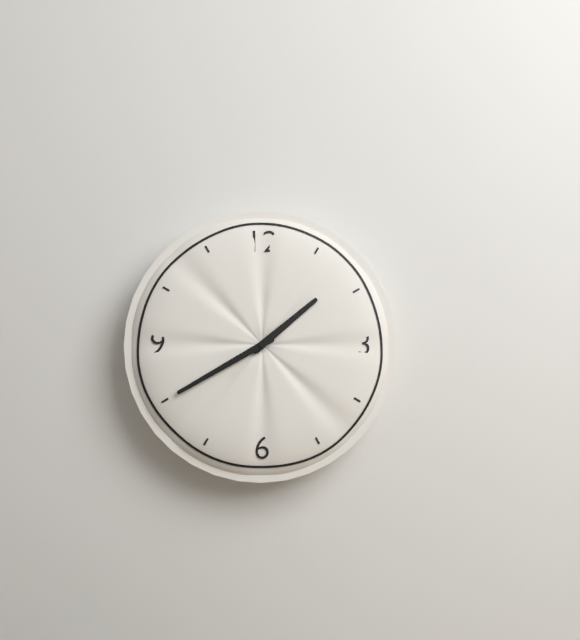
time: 1:40
